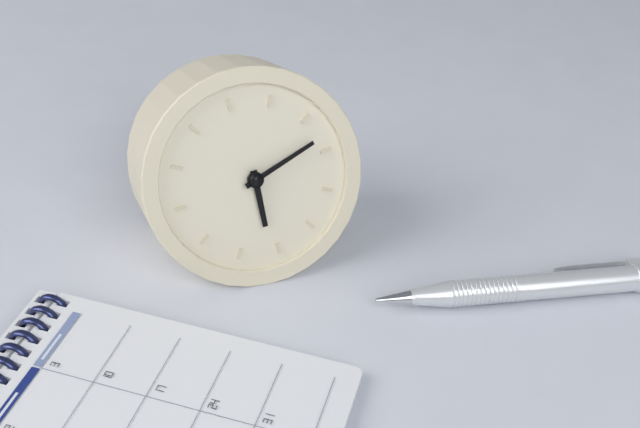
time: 6:13
